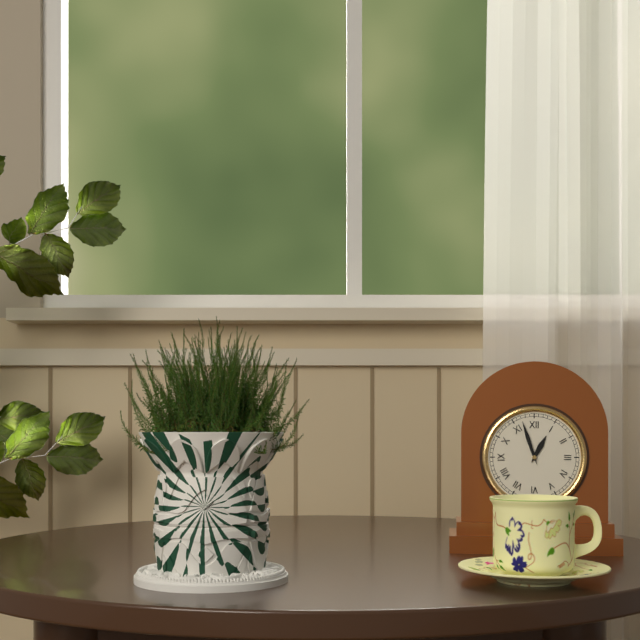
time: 12:57
